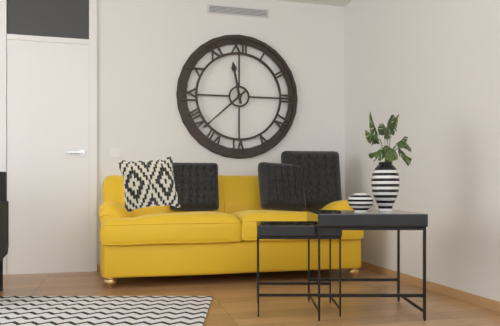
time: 11:38
